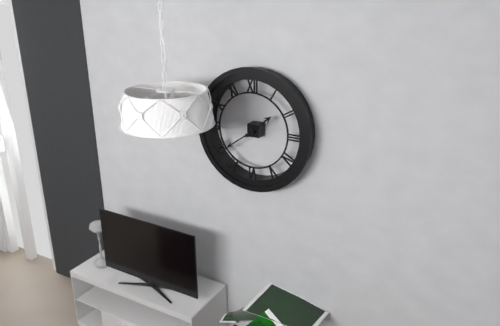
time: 1:39
